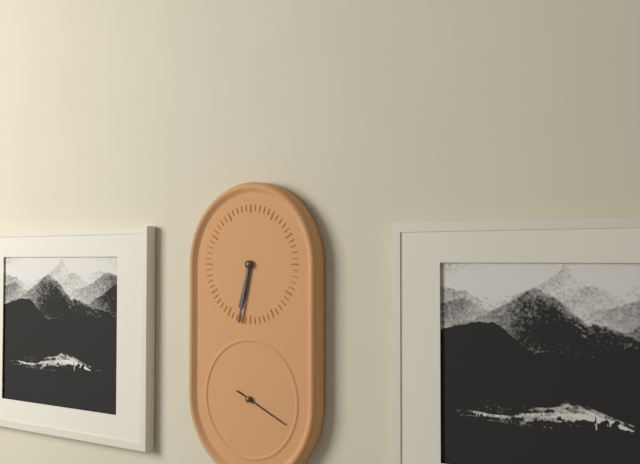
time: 6:32:19
